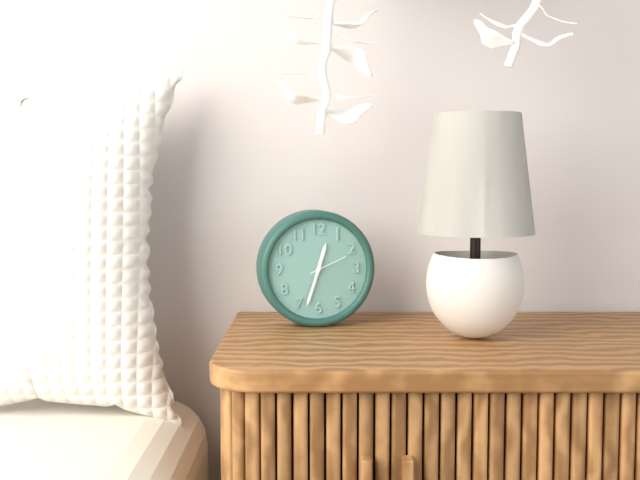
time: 12:33
